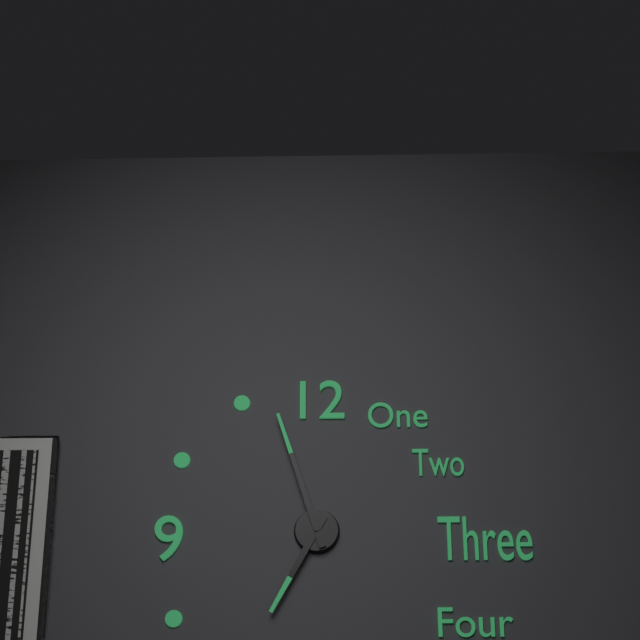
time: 6:57
